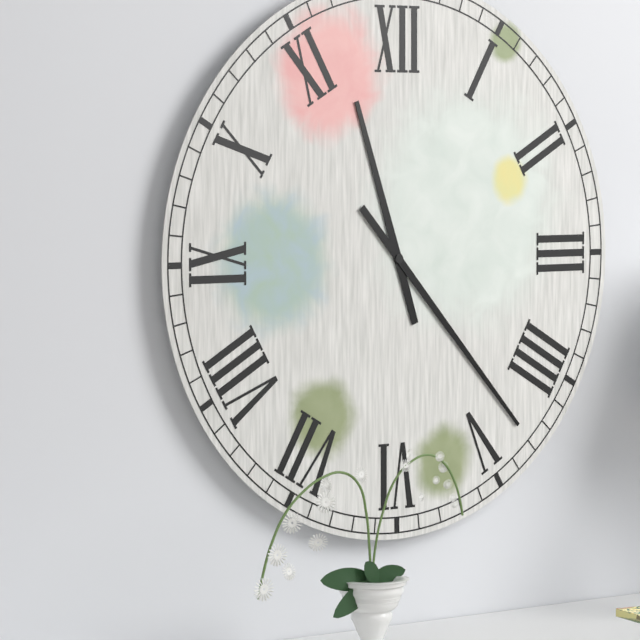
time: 11:23
